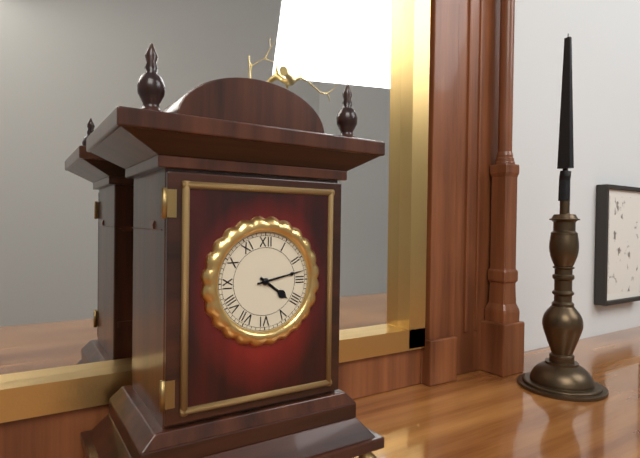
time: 4:13
